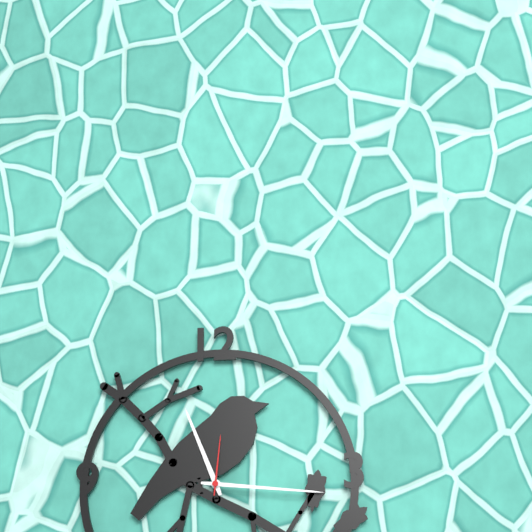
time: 11:16:01
